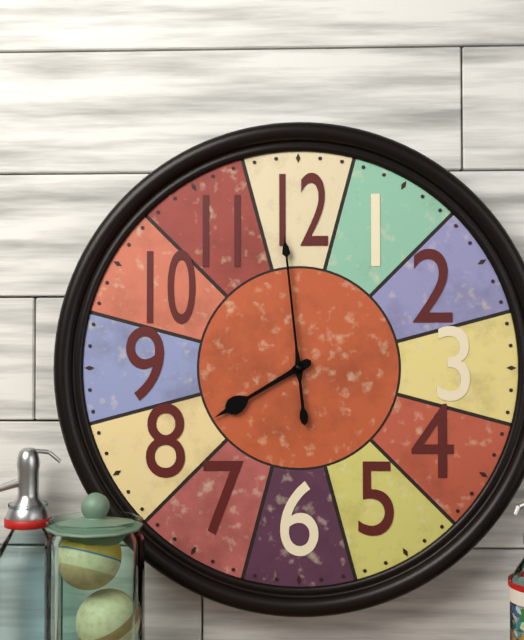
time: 7:59
